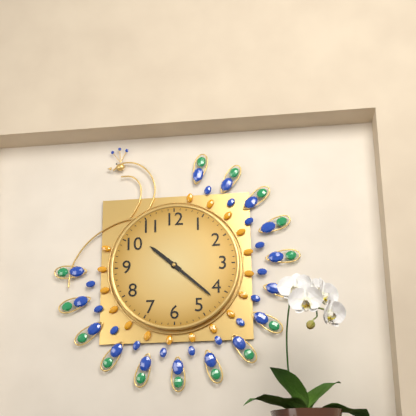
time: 10:22
